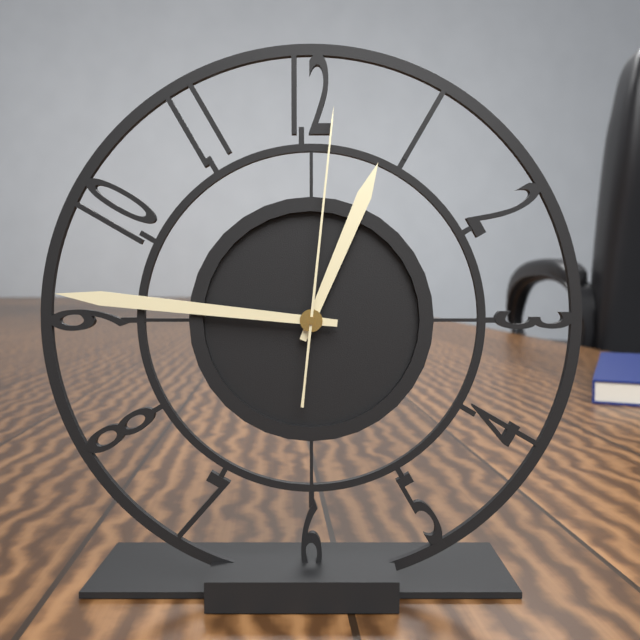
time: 12:46:01
